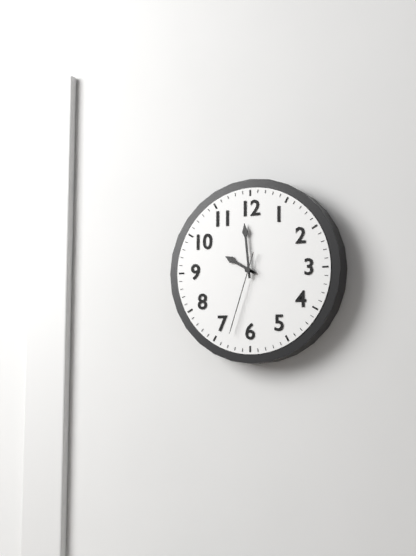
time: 9:59:33
